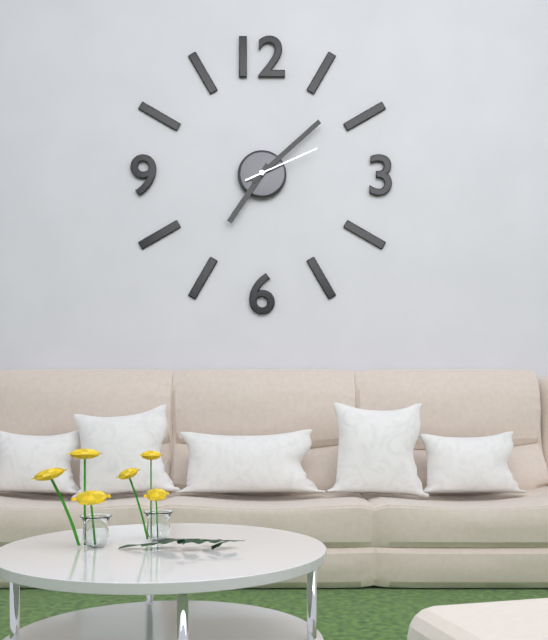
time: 7:08:11
